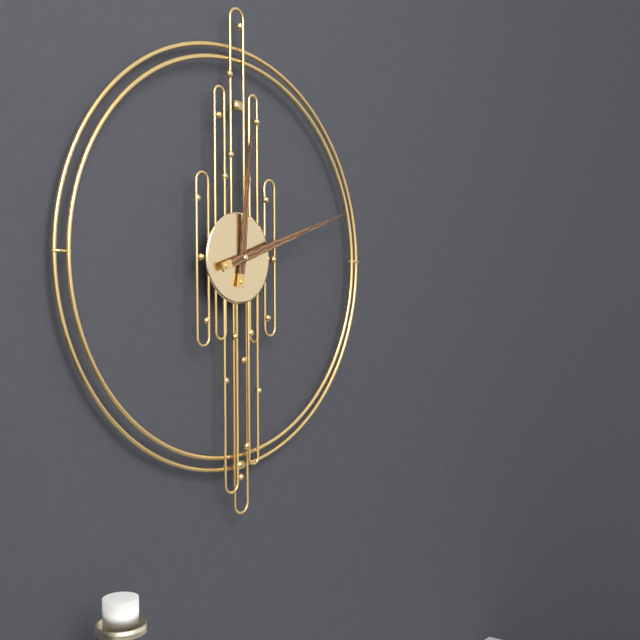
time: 12:12
